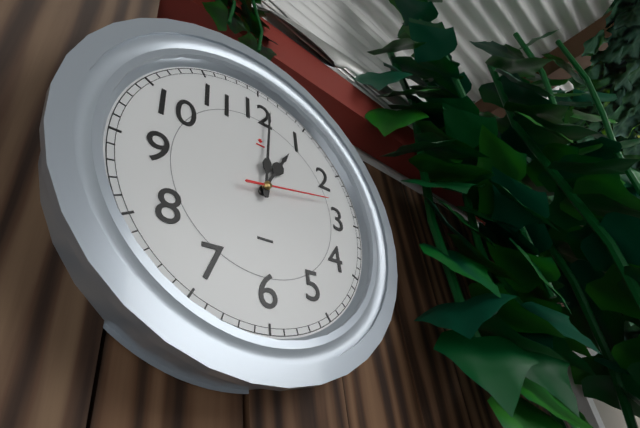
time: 1:01:13
